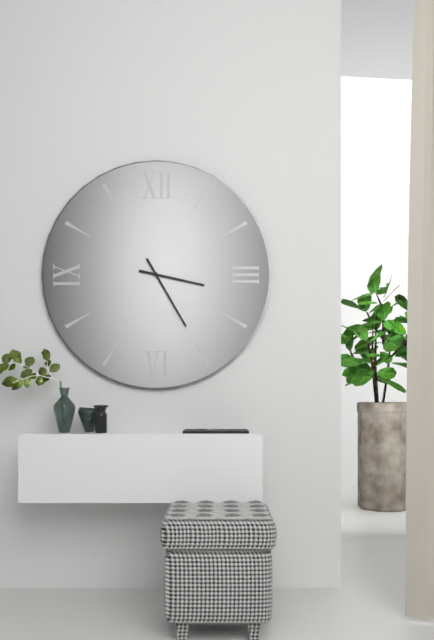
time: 3:25
